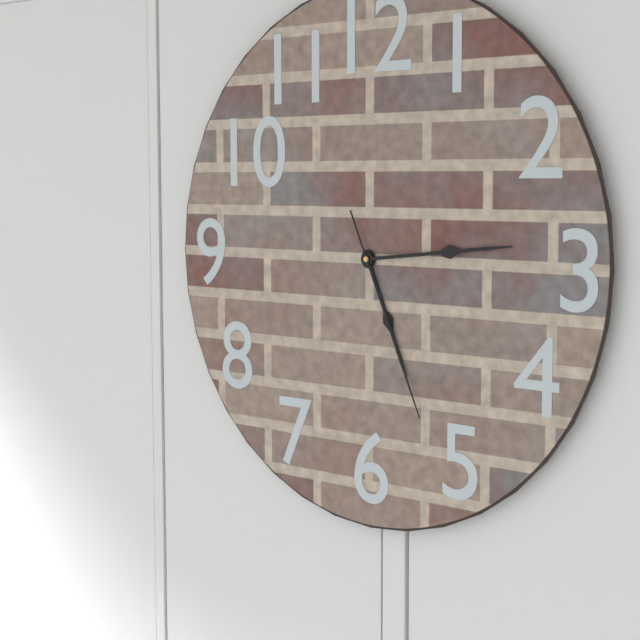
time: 5:14:26
